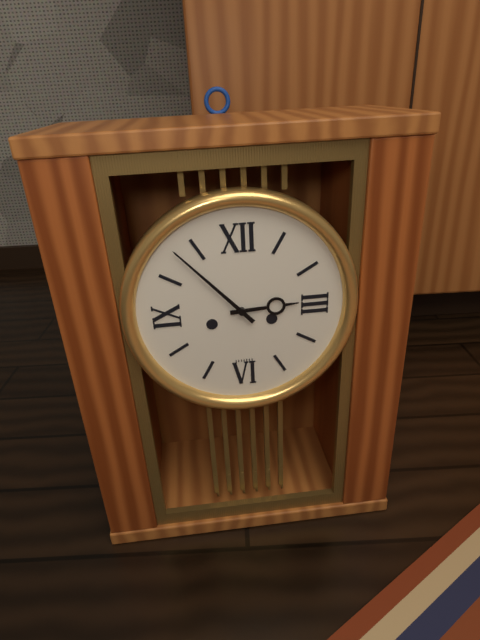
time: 2:53
